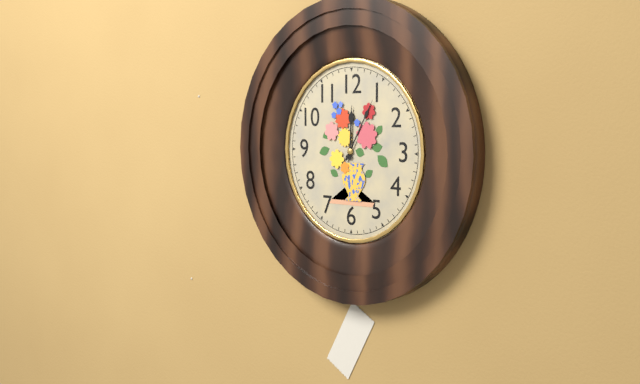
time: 12:05
